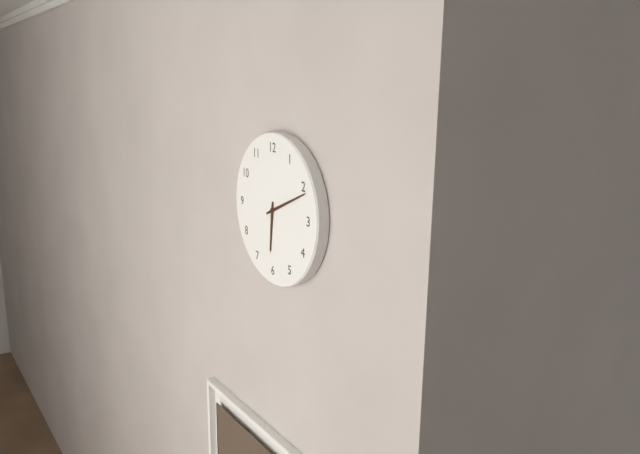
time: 6:11
